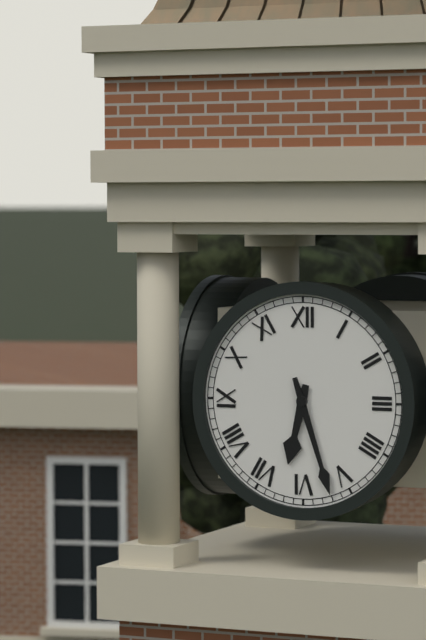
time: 6:27
